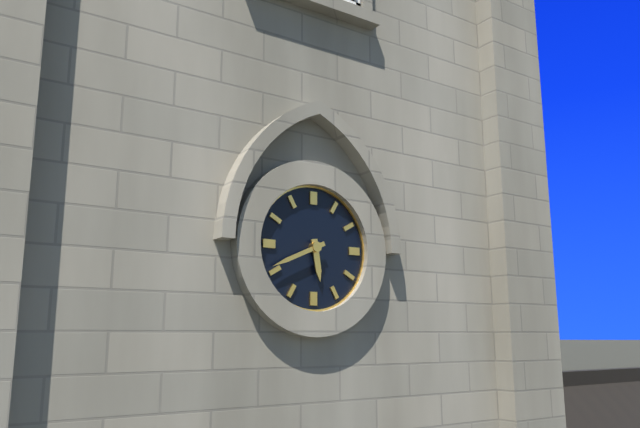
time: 5:41
